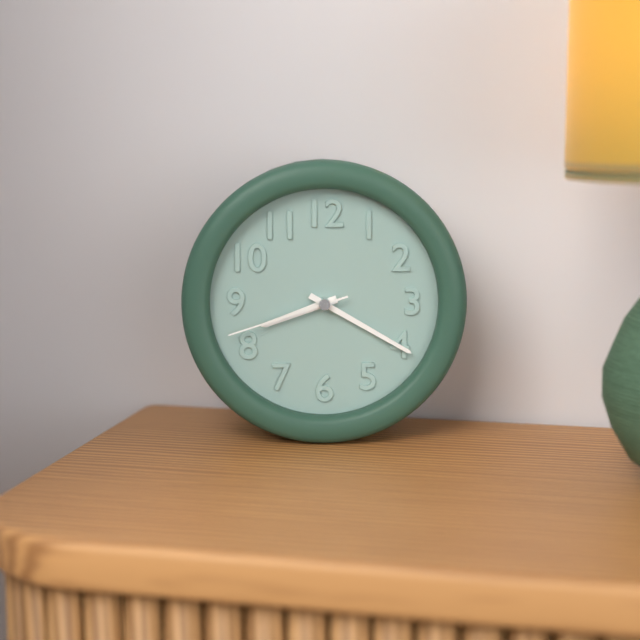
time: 8:20:42
